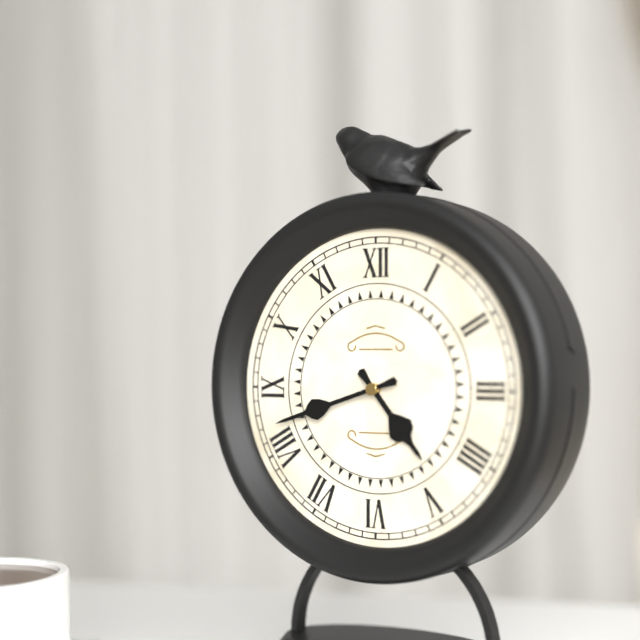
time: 4:42
